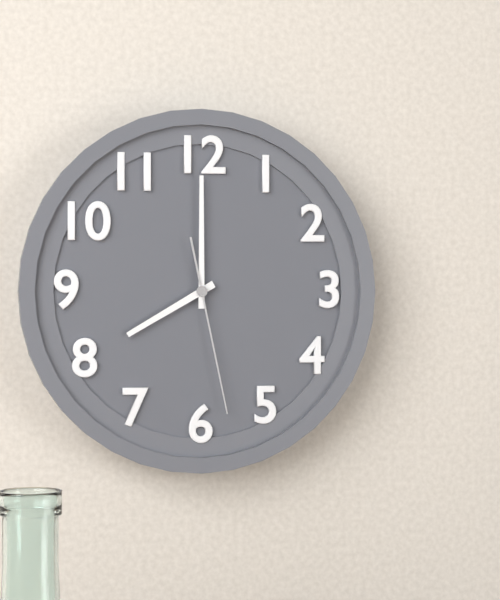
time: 8:00:28
